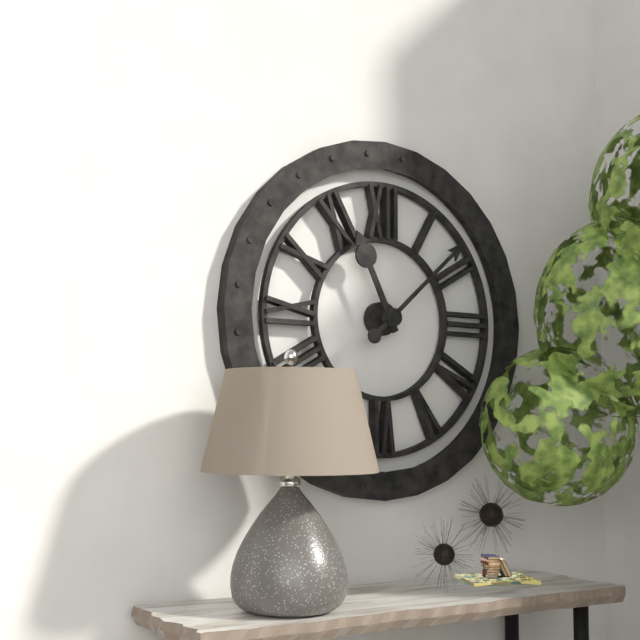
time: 11:08
